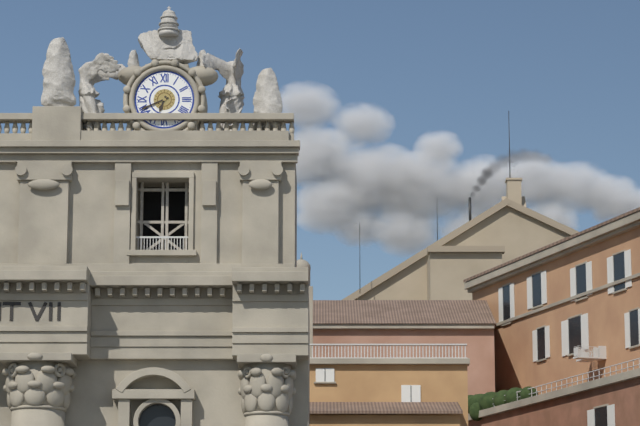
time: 6:41
